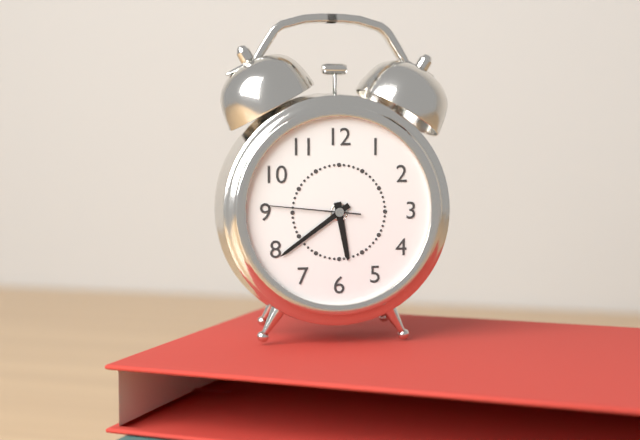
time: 5:39:46
